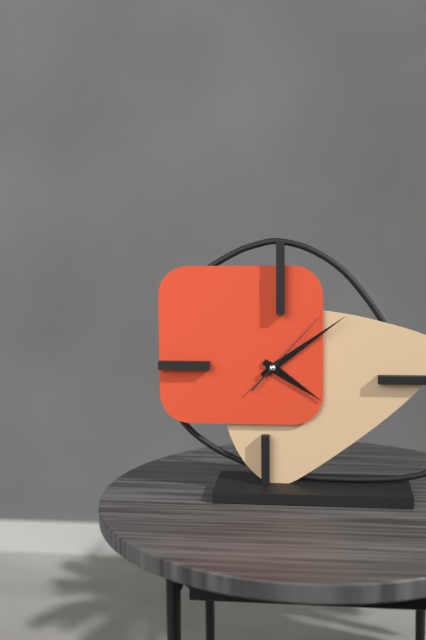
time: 4:09:07
